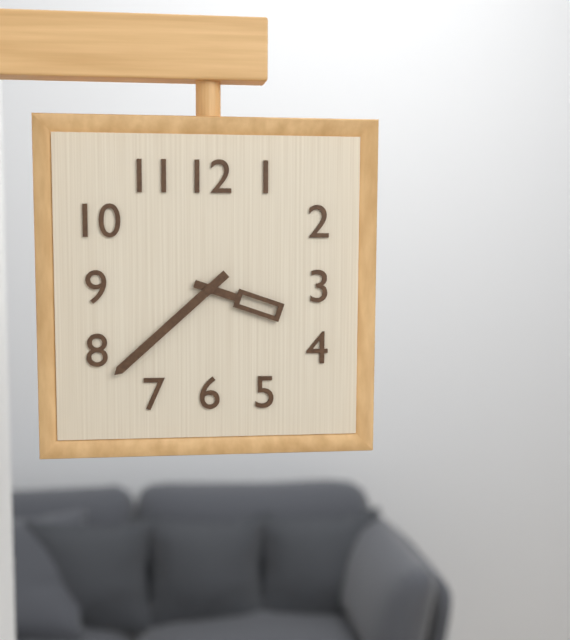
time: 3:38
